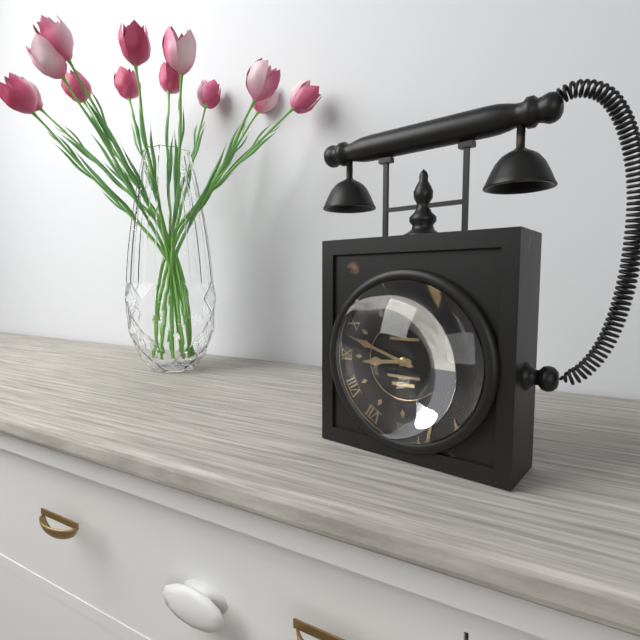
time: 8:48
